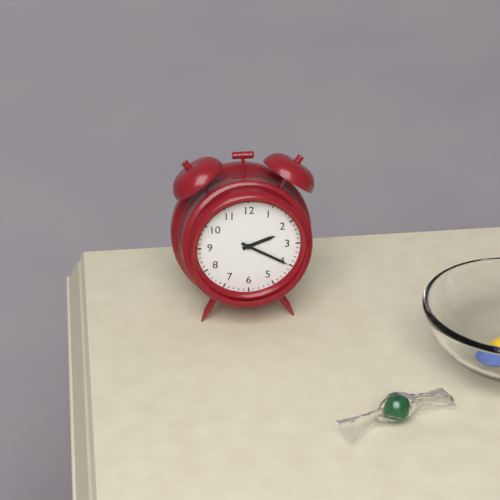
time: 2:20
